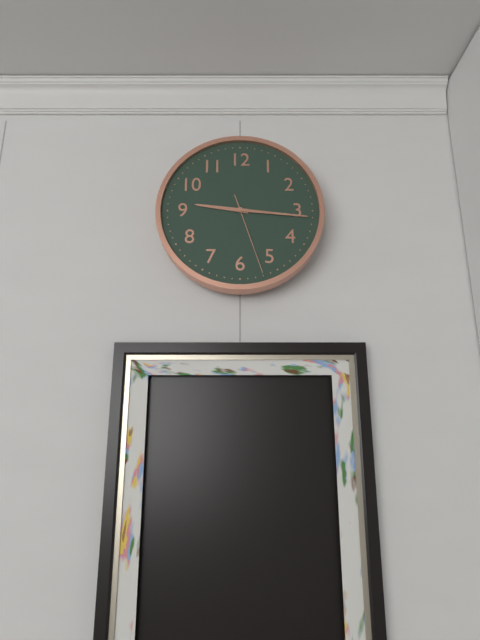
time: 9:16:27
